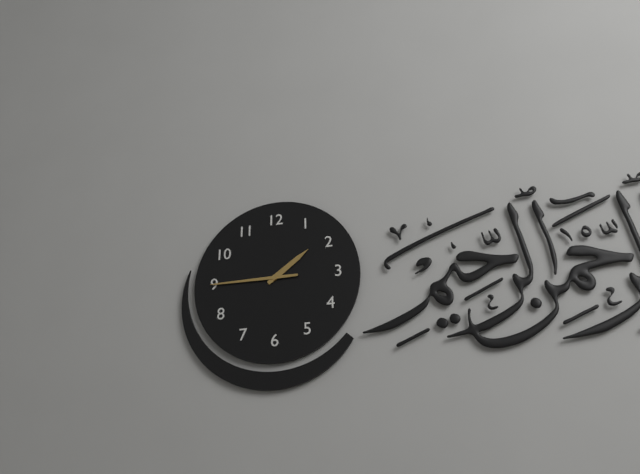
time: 1:45
